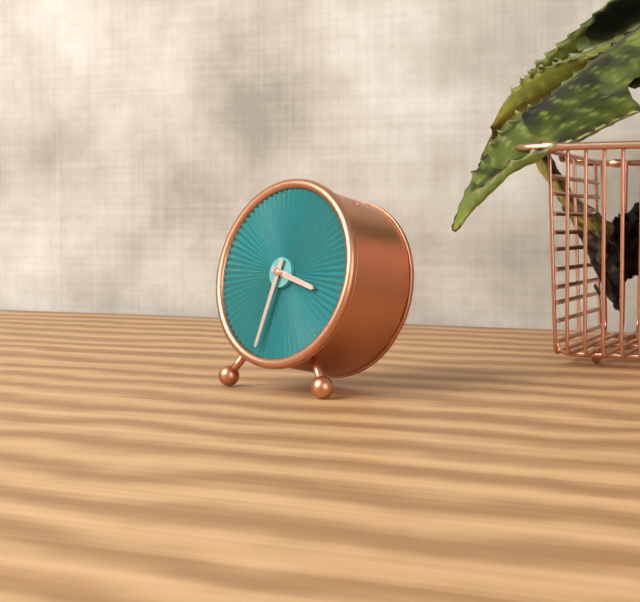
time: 3:32
